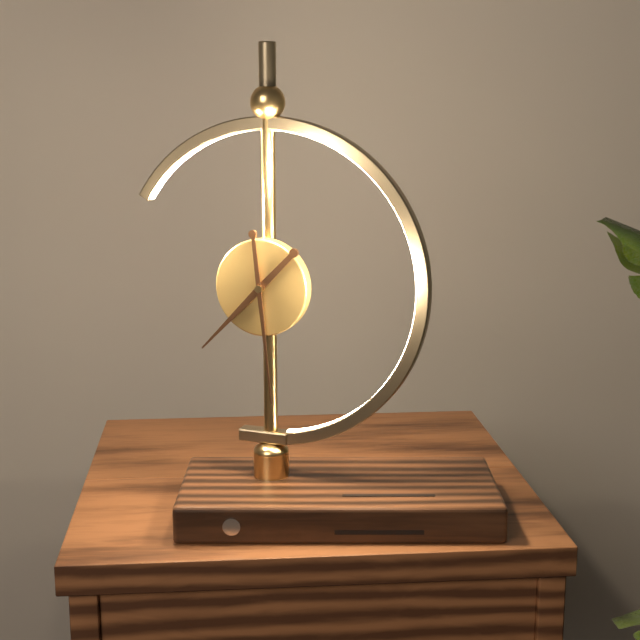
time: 7:29
